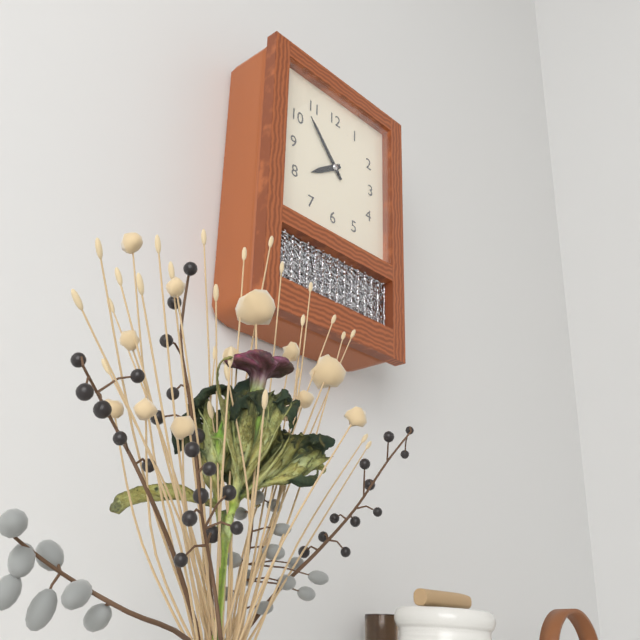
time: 7:53
